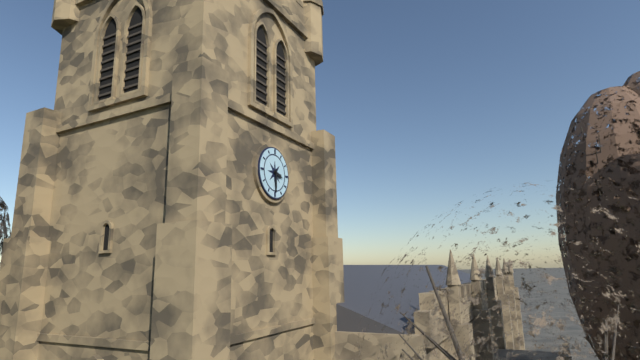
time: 3:30
